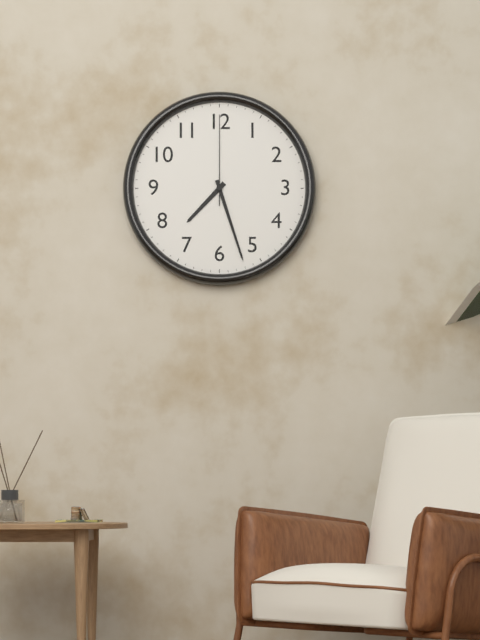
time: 7:27:00
